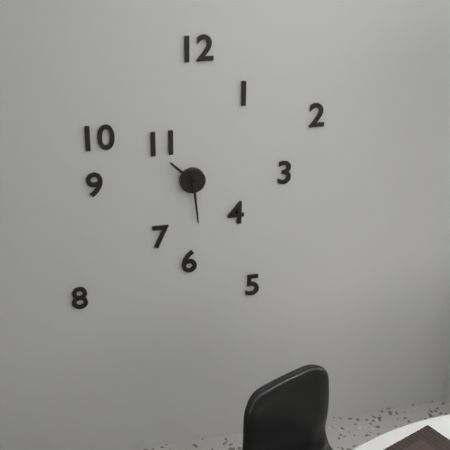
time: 10:29
